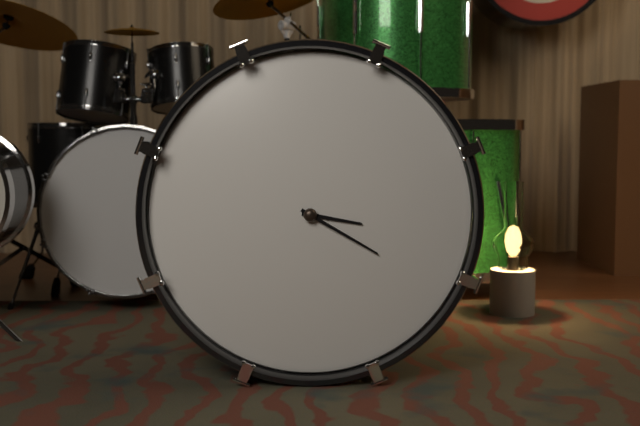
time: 3:20
